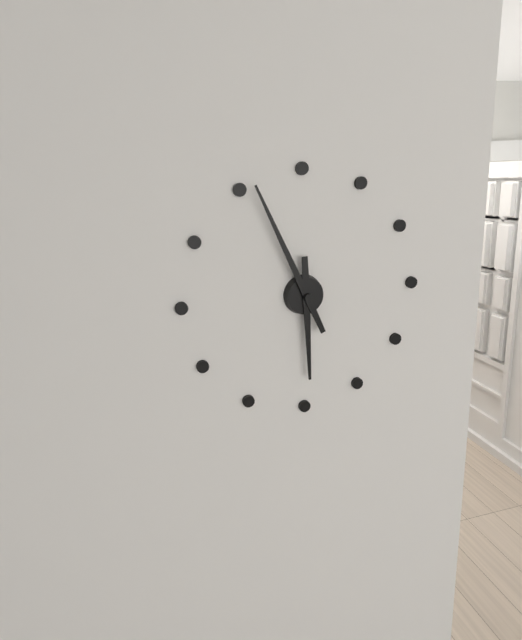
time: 5:56
